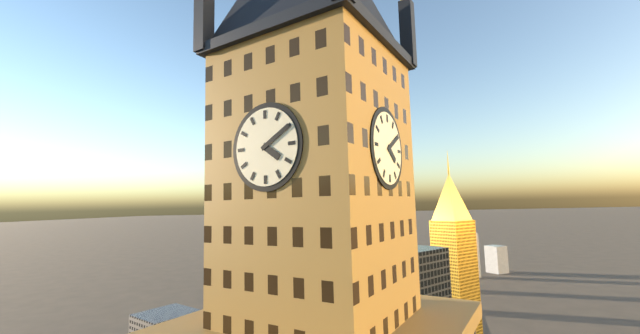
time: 4:10
